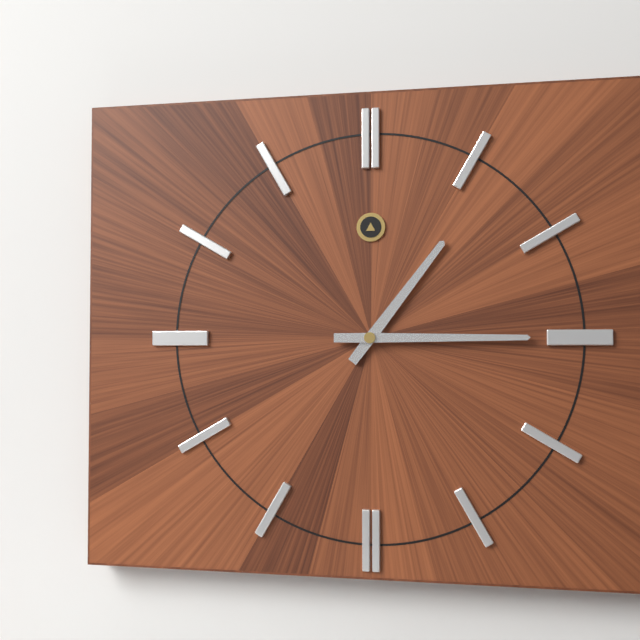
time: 1:15
